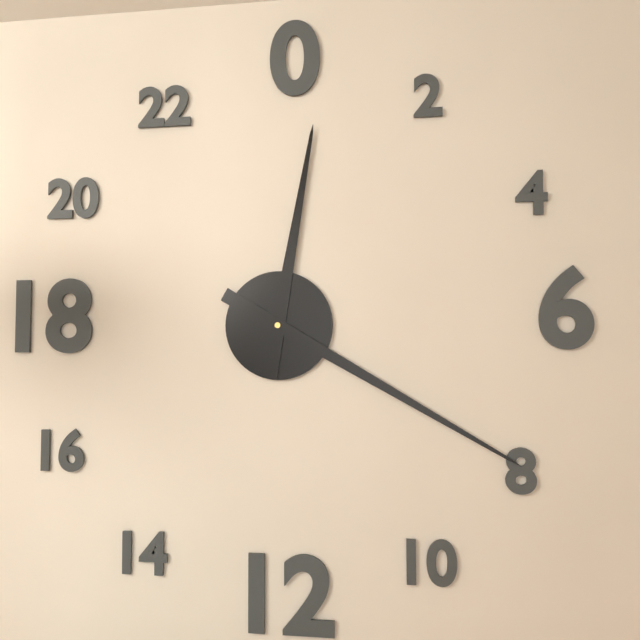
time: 12:20
